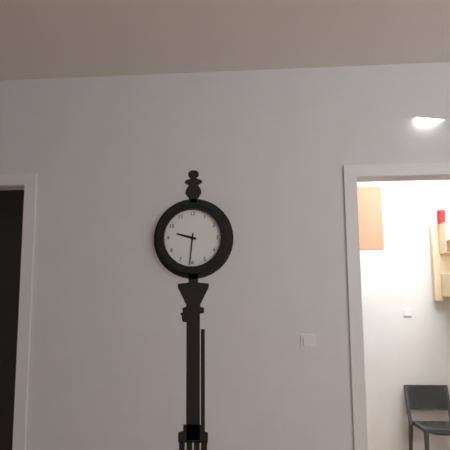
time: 9:31
